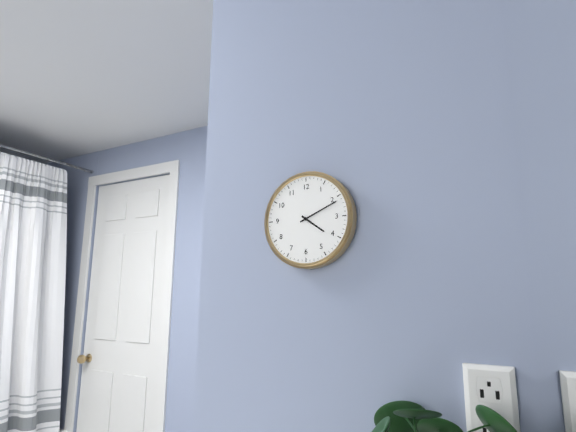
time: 4:11
